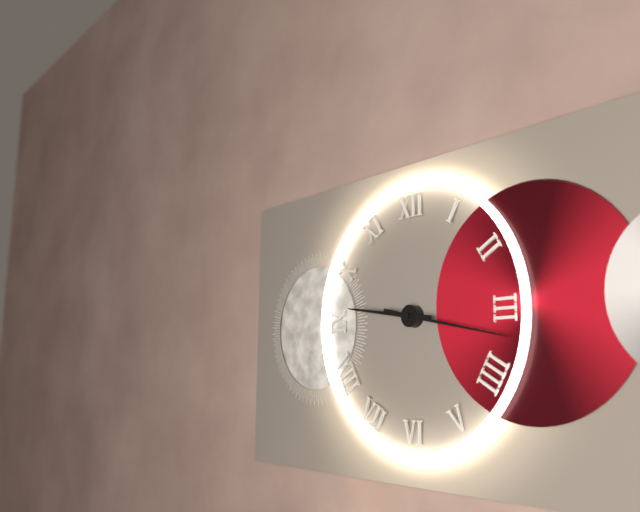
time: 9:17
